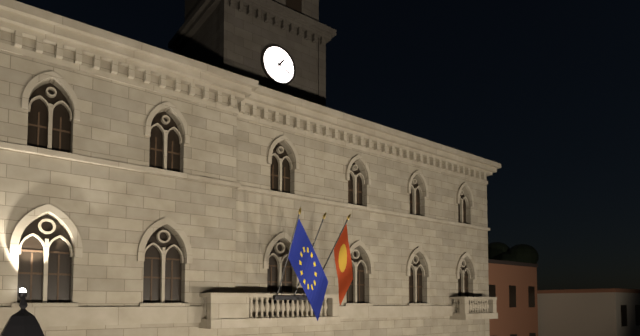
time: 1:19
